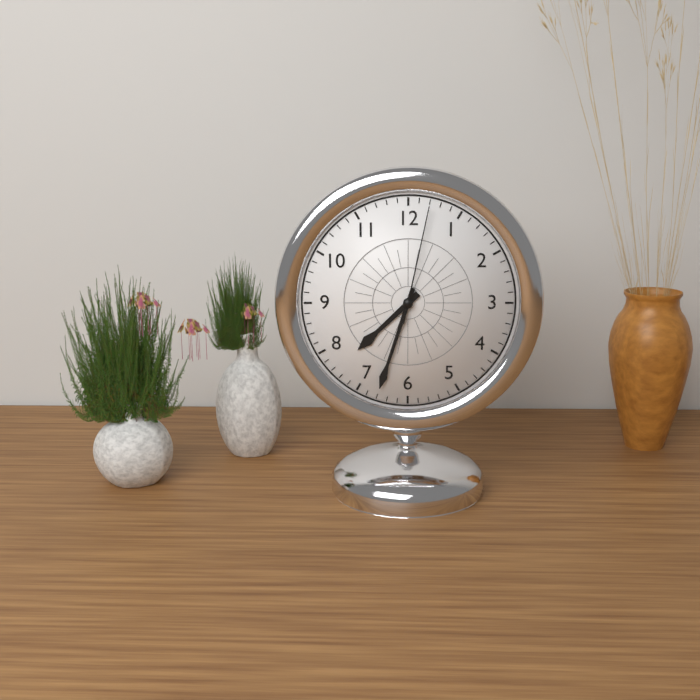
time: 7:33:02
